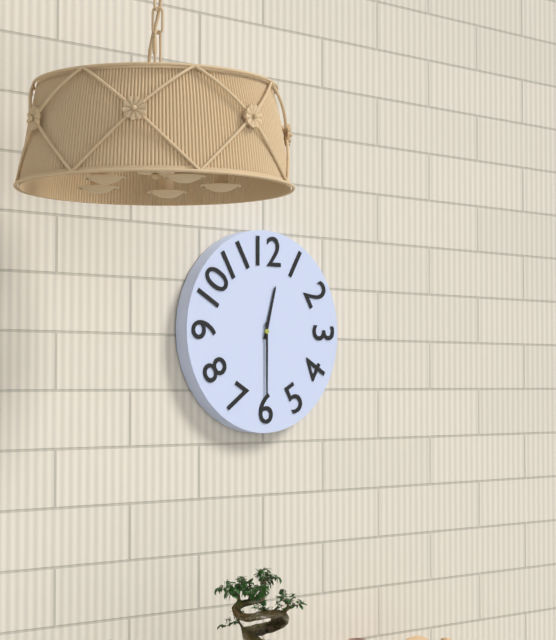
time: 12:30
